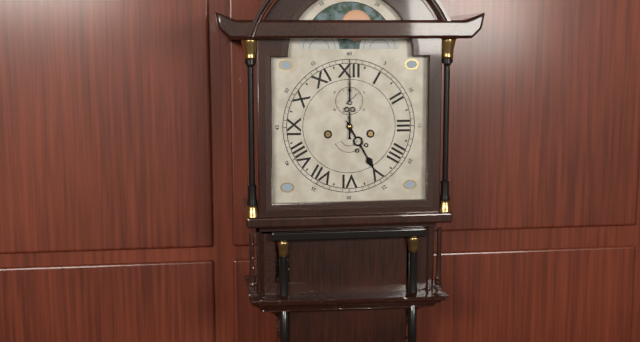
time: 5:00
